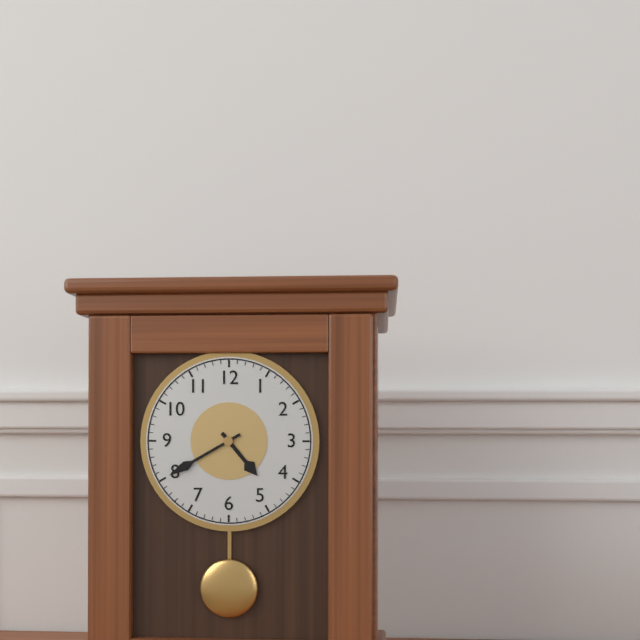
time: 4:40
